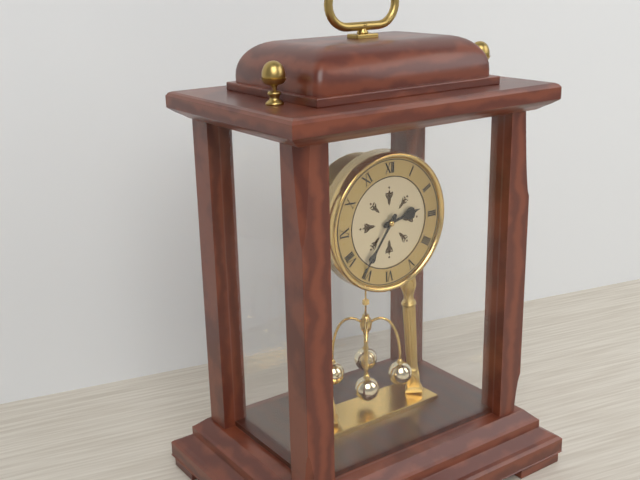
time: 2:36
